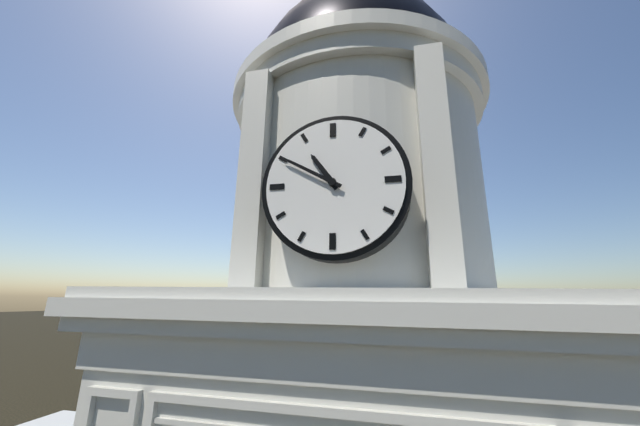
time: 10:50
